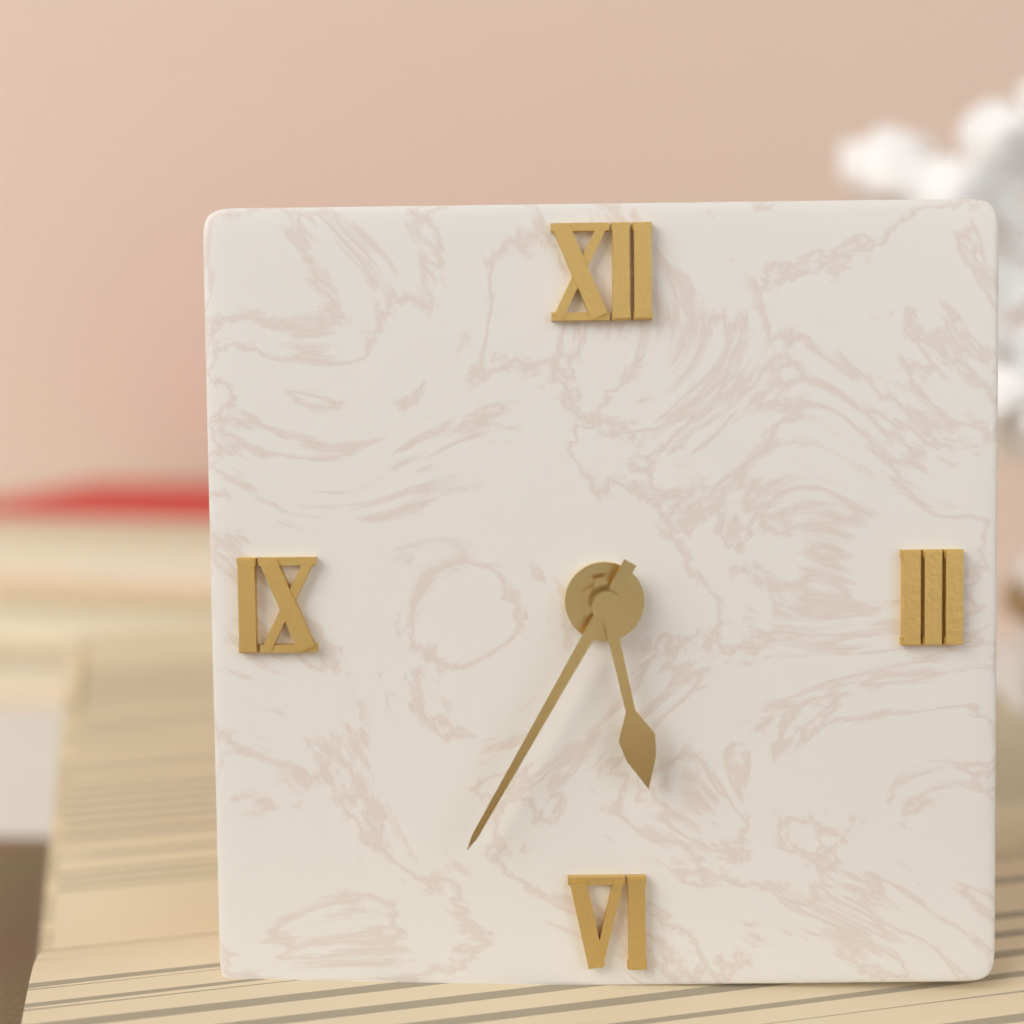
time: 5:35
